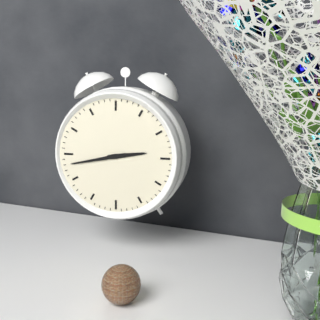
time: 2:43
